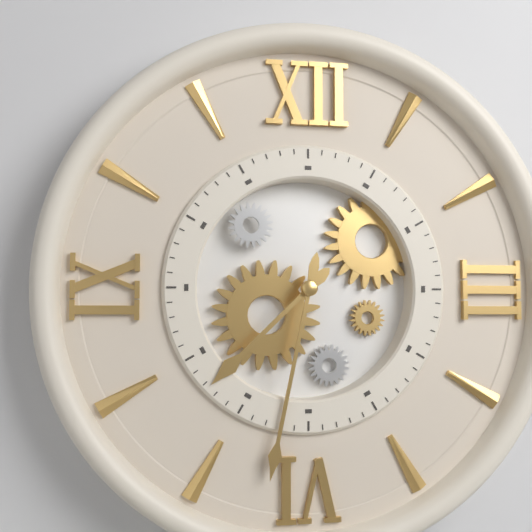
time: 7:32
